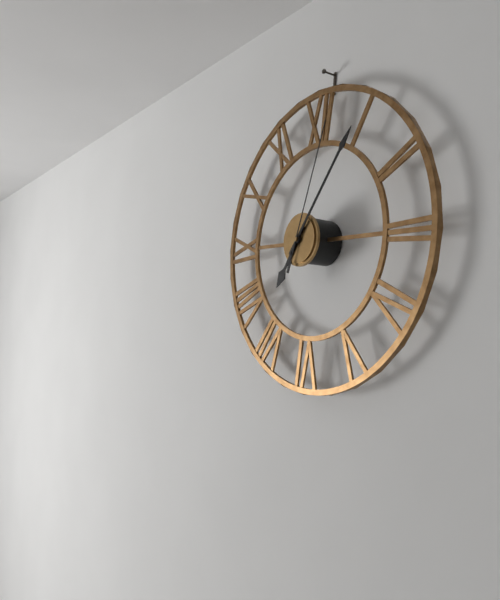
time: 7:06:03
